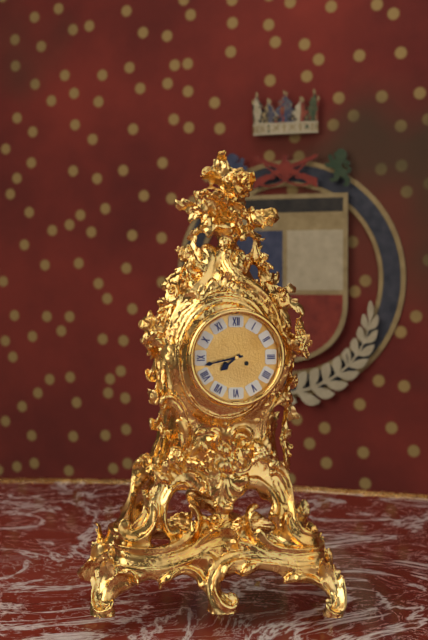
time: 7:43
